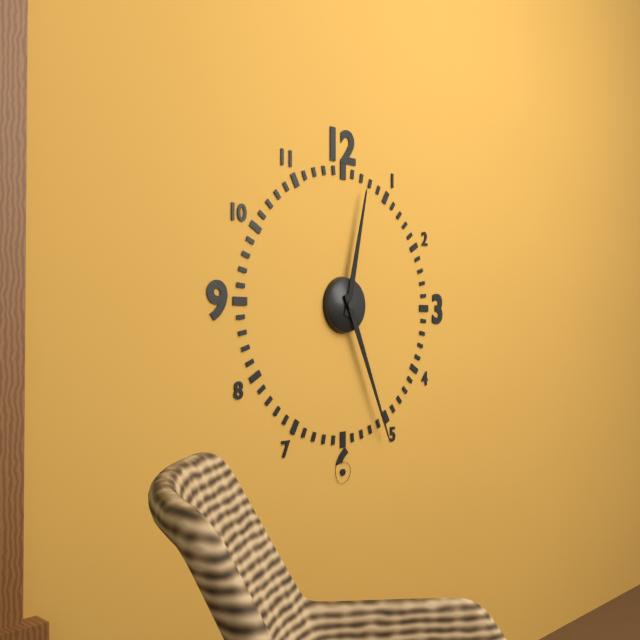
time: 12:26
